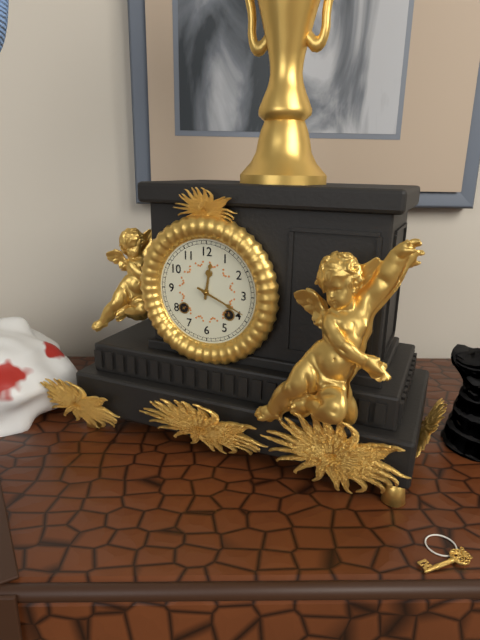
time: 12:19
